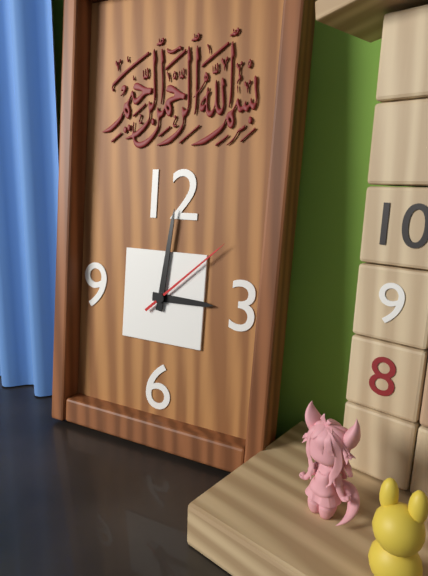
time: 3:01:08
